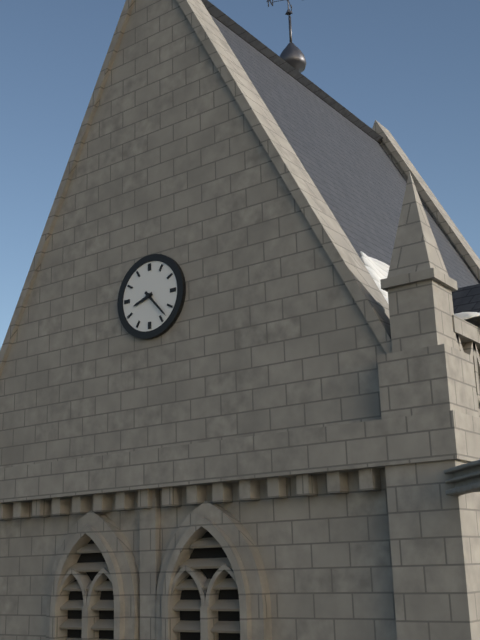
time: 8:23
